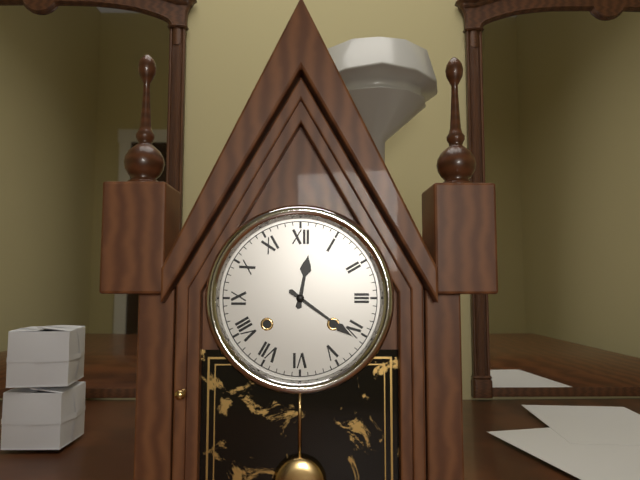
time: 12:21
